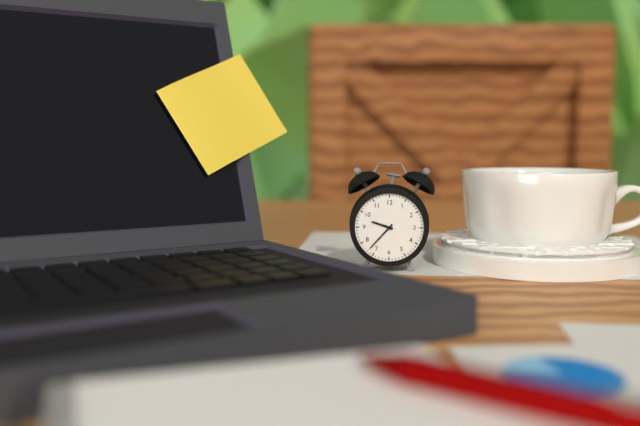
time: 9:37
